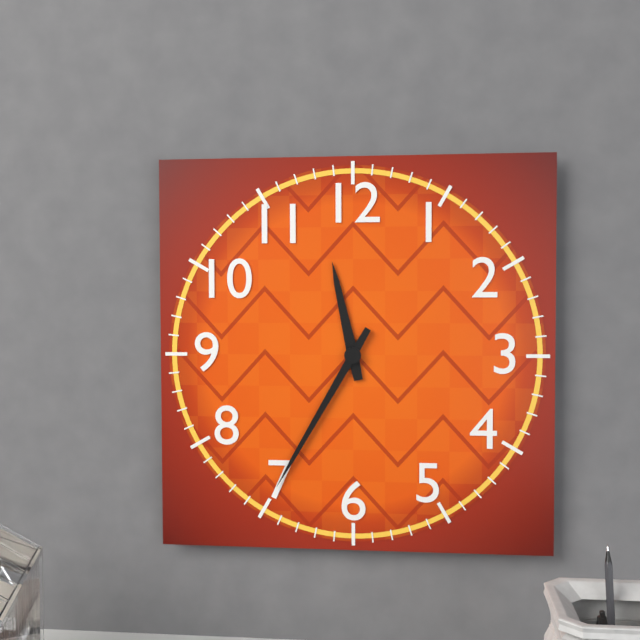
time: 11:35
